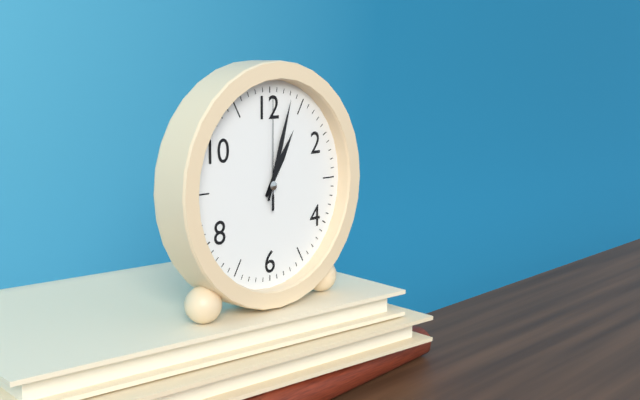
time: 1:03:00
